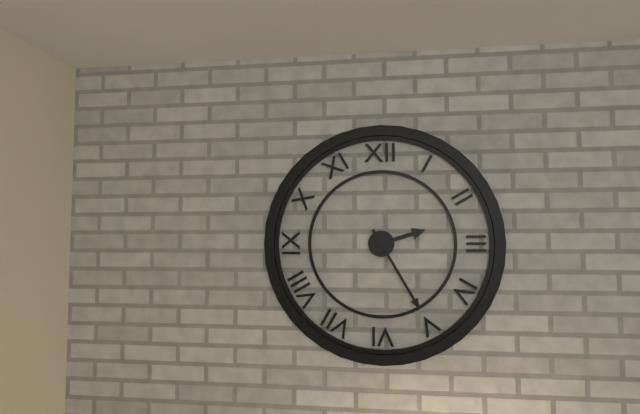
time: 2:25
